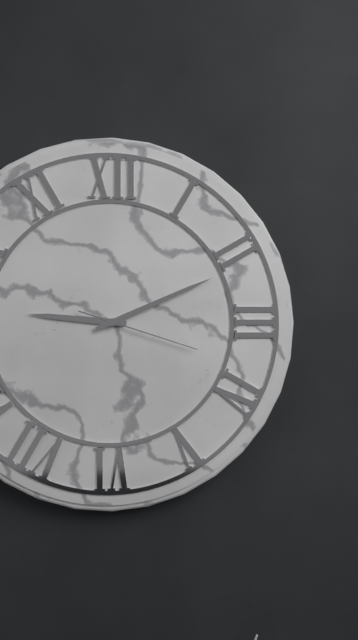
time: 9:11:18
